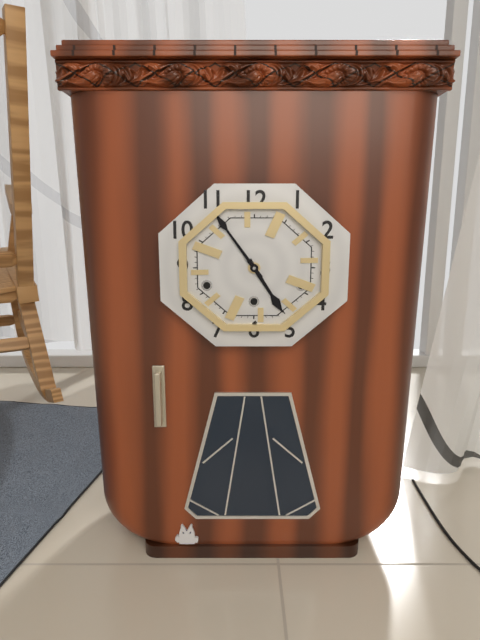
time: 4:54
